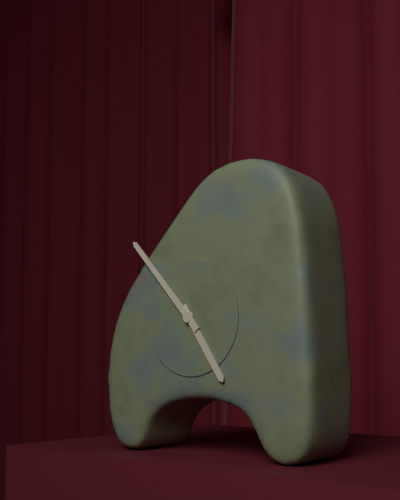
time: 4:53
